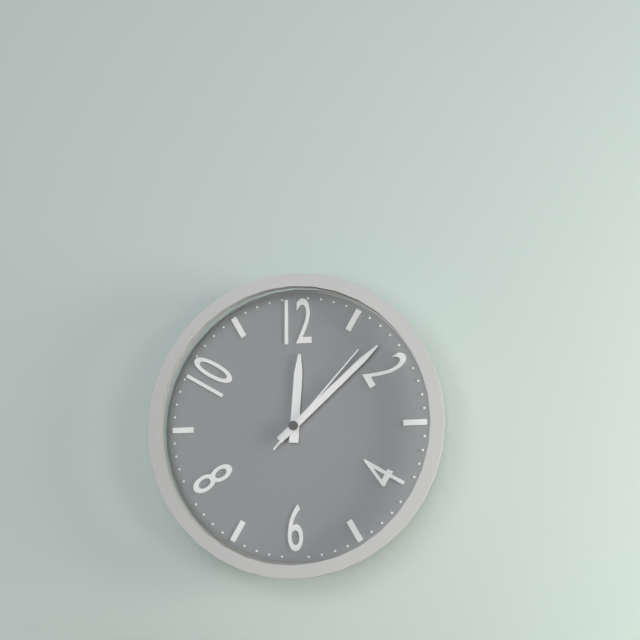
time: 12:08:07
